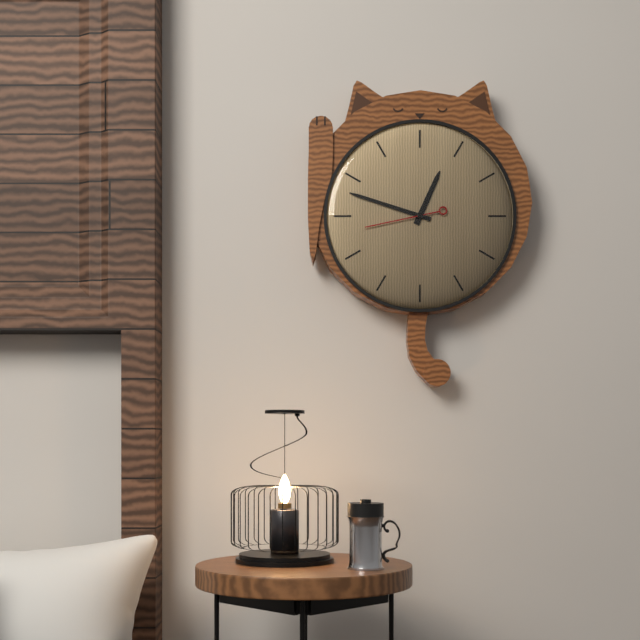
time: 12:48:43
